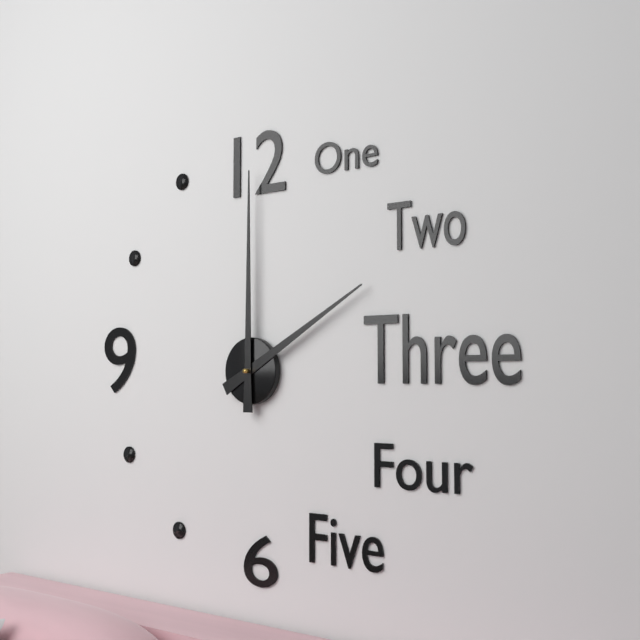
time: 2:00
